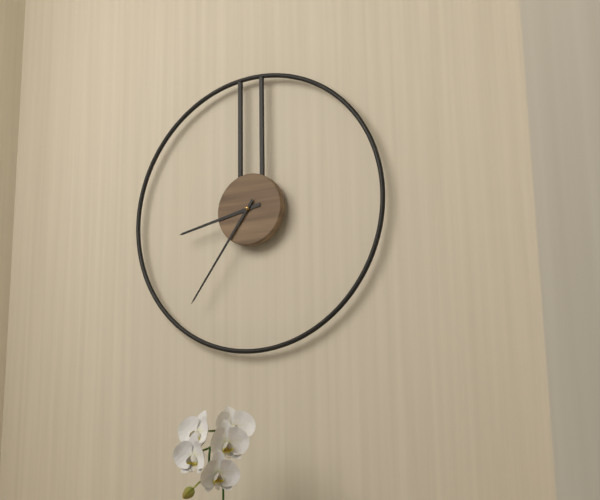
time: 8:36
